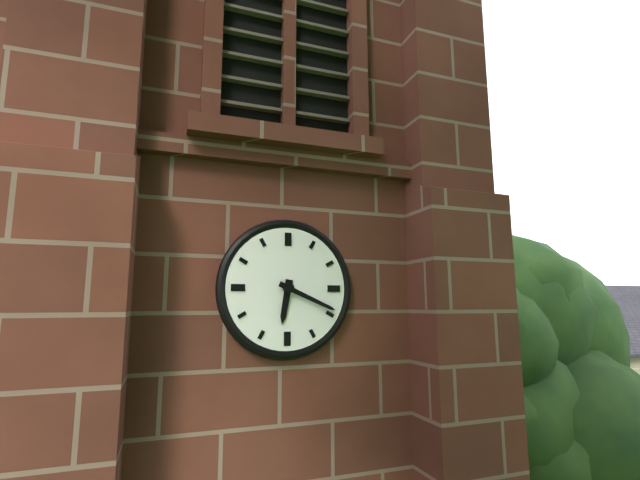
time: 6:19
